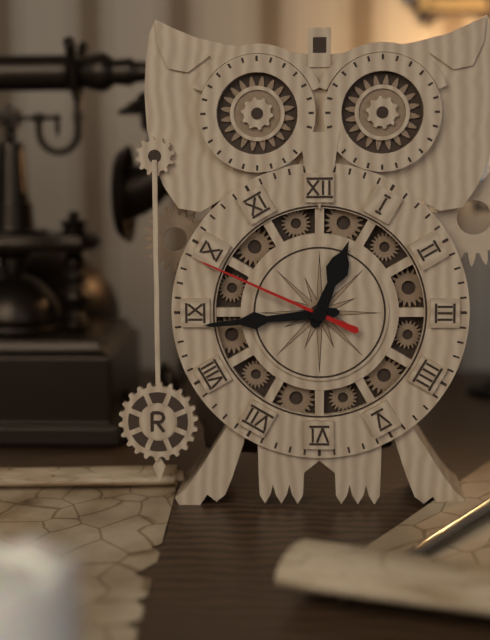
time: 12:44:49
